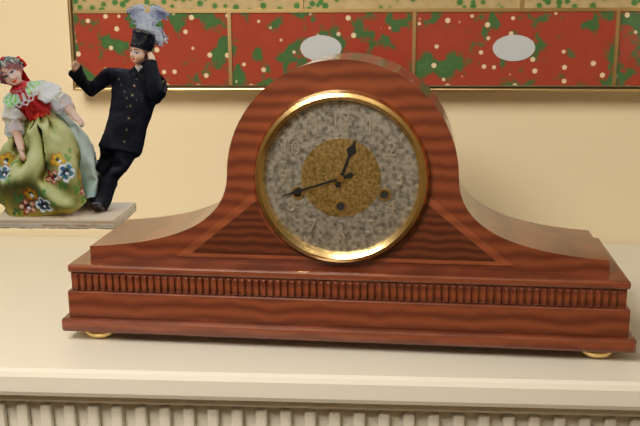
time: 12:42
